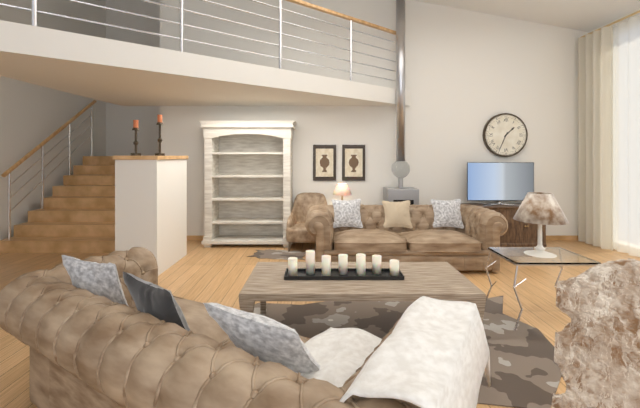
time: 1:34
